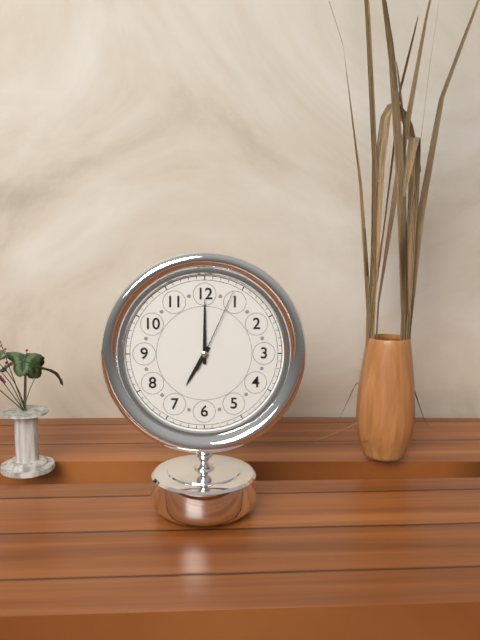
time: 7:00:04
